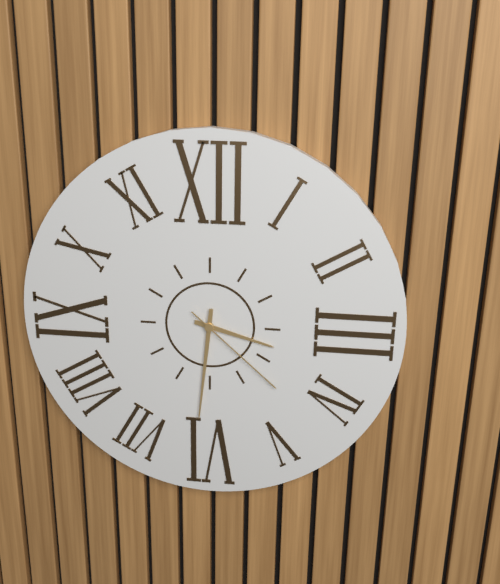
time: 3:31:22
